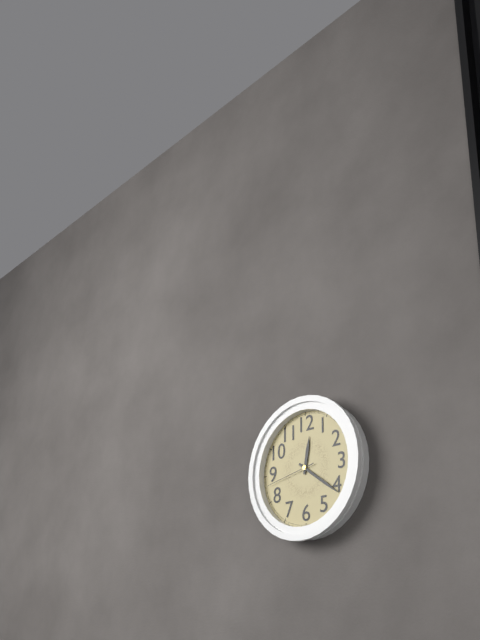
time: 12:21:43
